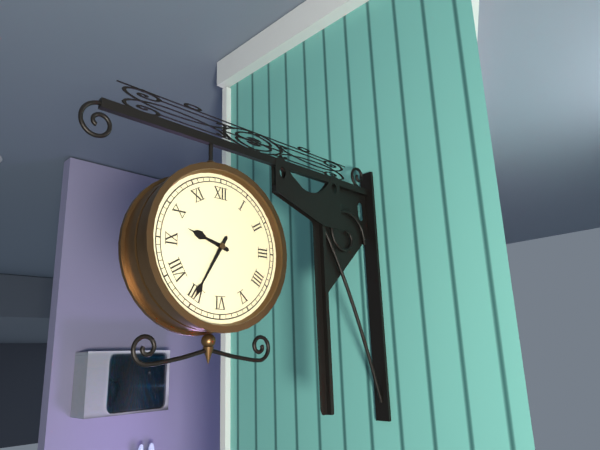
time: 9:35
